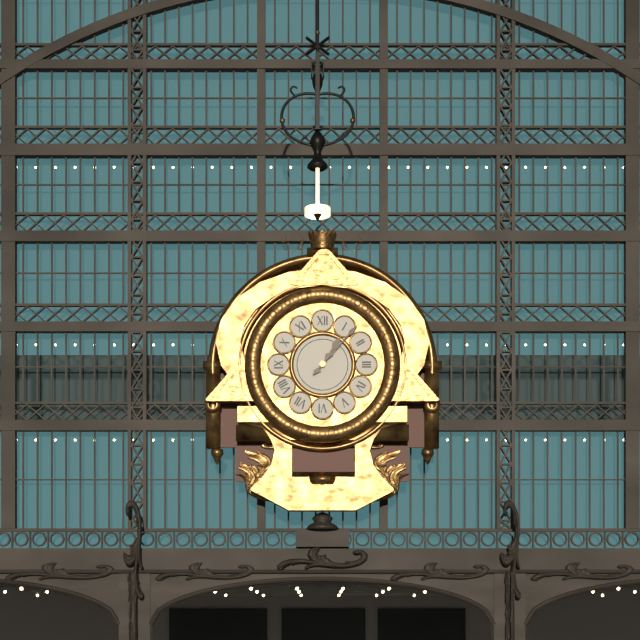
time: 1:07
